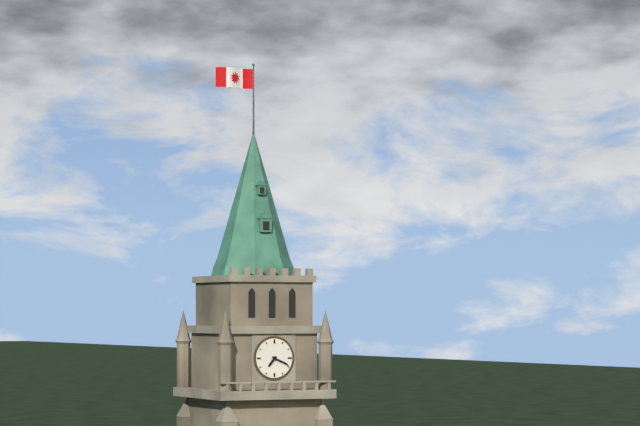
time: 7:19
